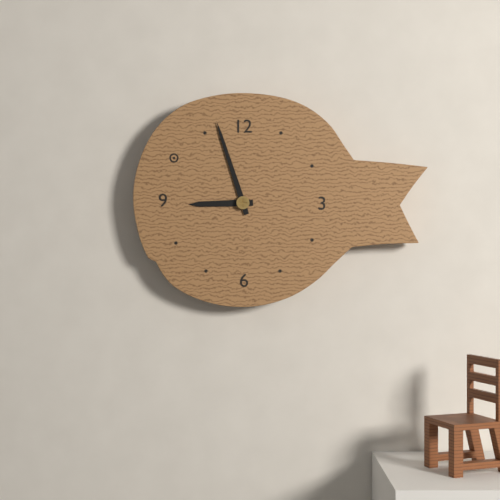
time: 8:57
